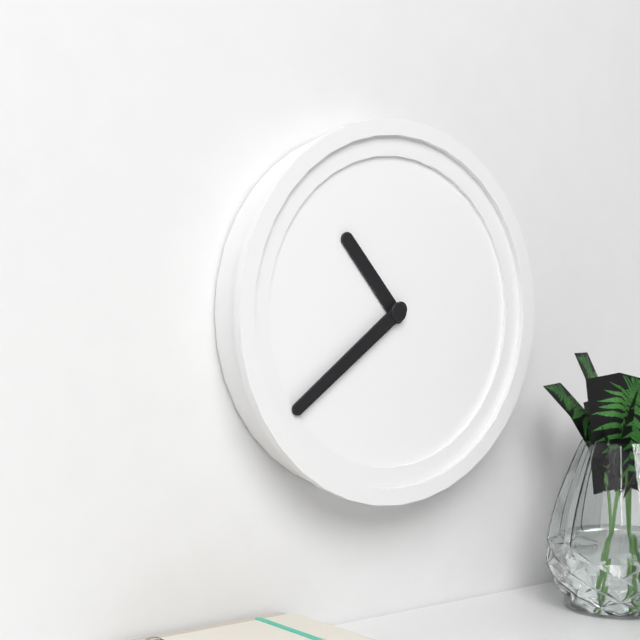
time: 10:39
